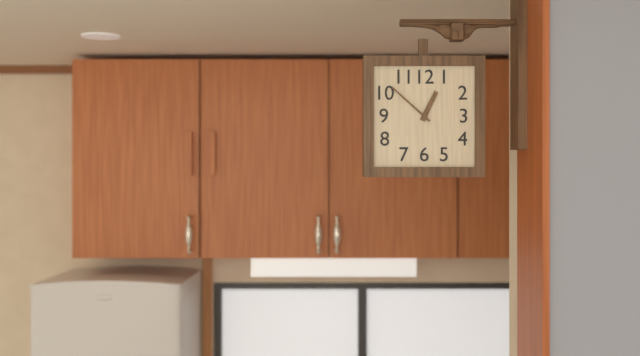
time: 12:52
